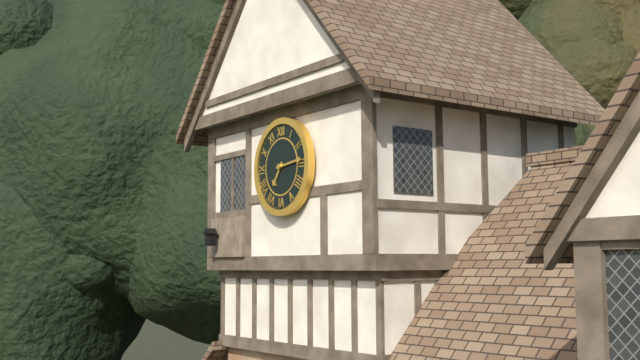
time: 7:14
